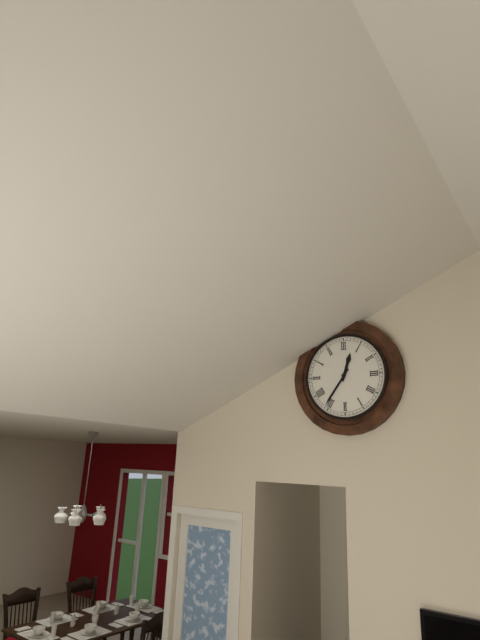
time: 12:36
